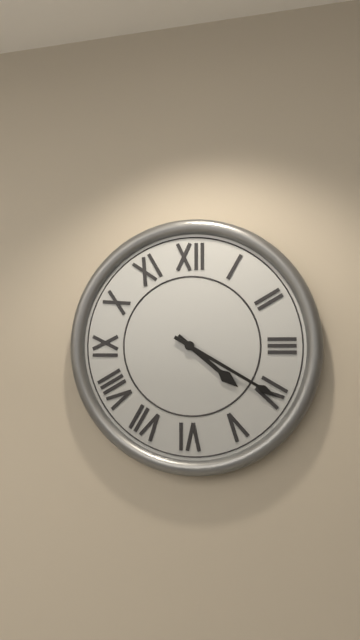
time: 4:20
